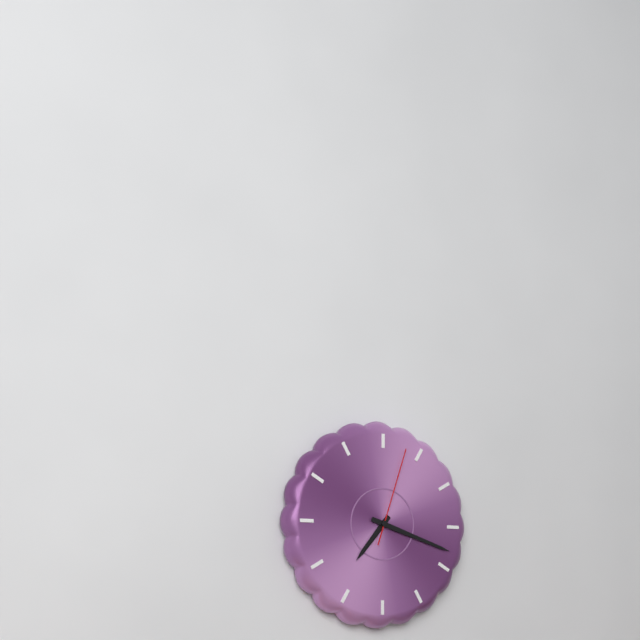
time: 7:18:03
